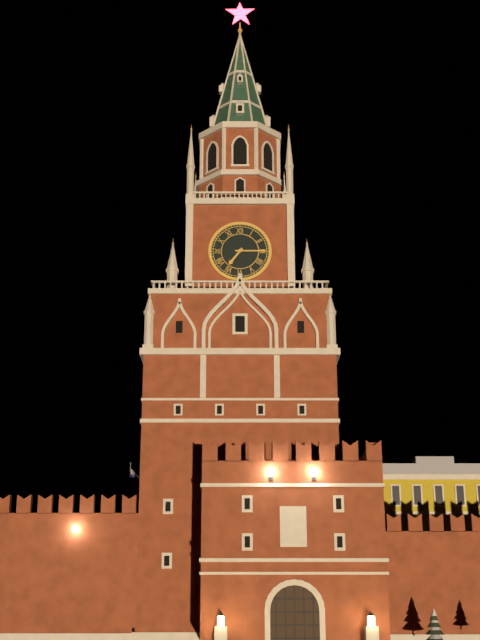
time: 7:15
